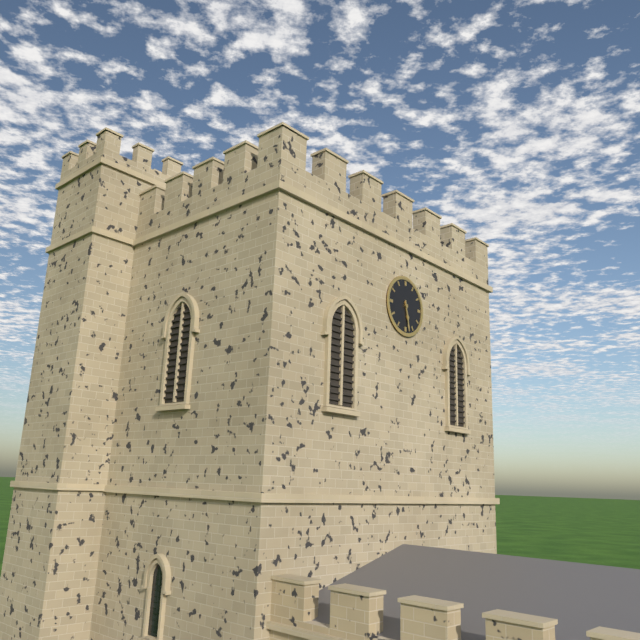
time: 5:28
